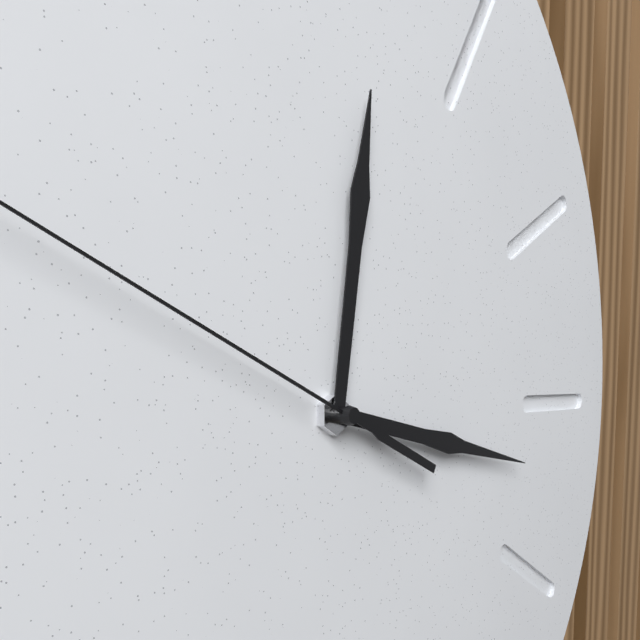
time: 12:17
